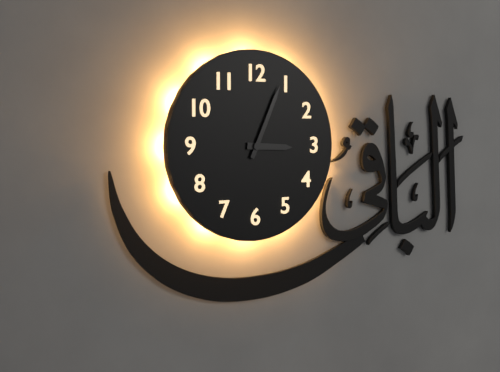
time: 3:04
